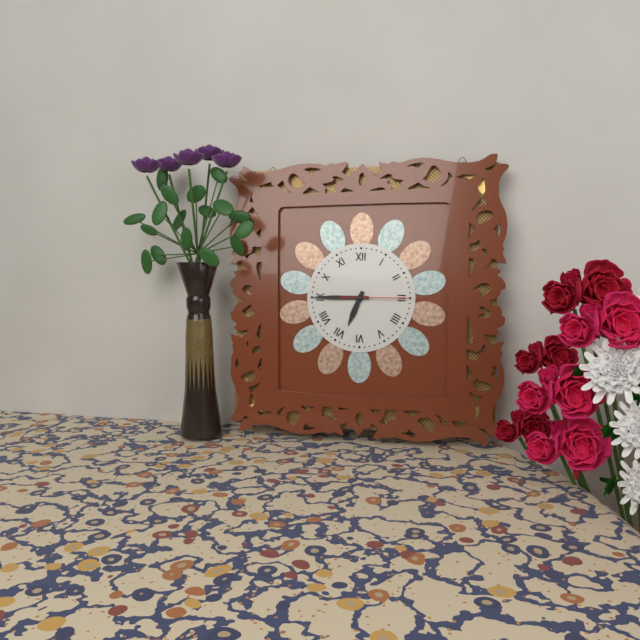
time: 6:45:15
